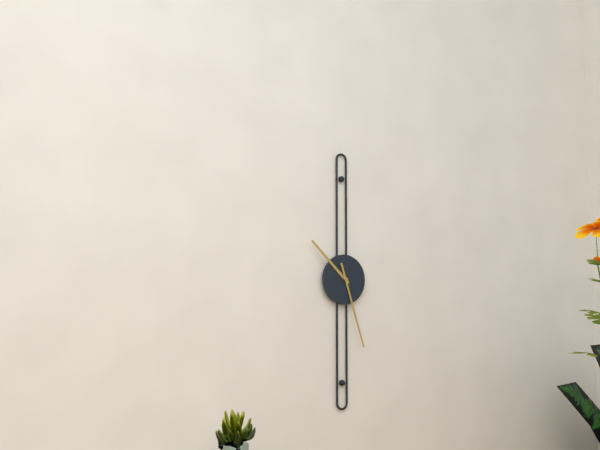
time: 10:27
